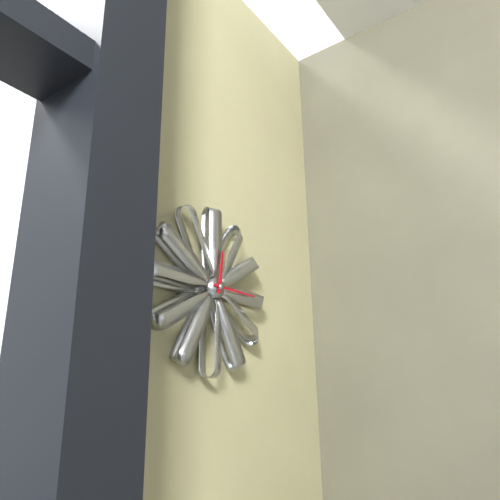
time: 12:15
